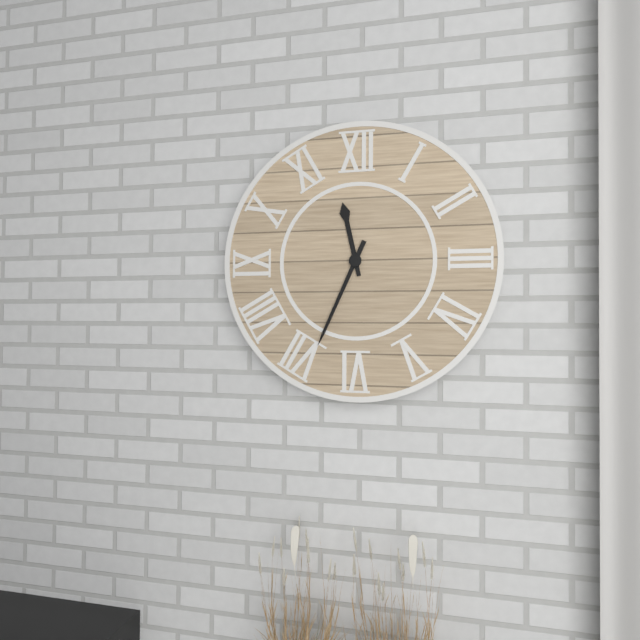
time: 11:34
